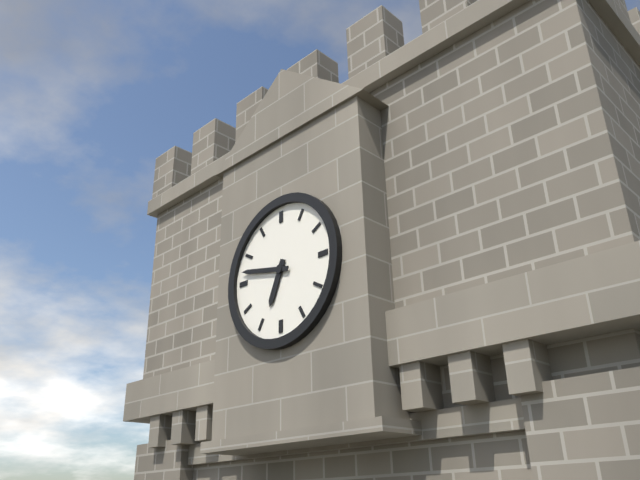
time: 6:47
